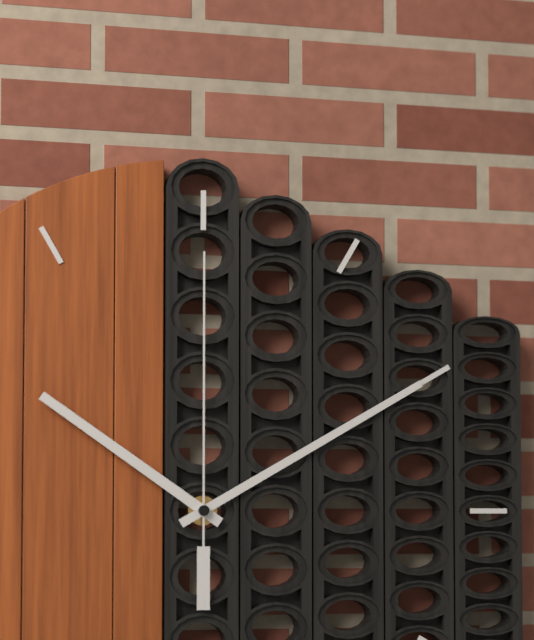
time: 10:10:00
